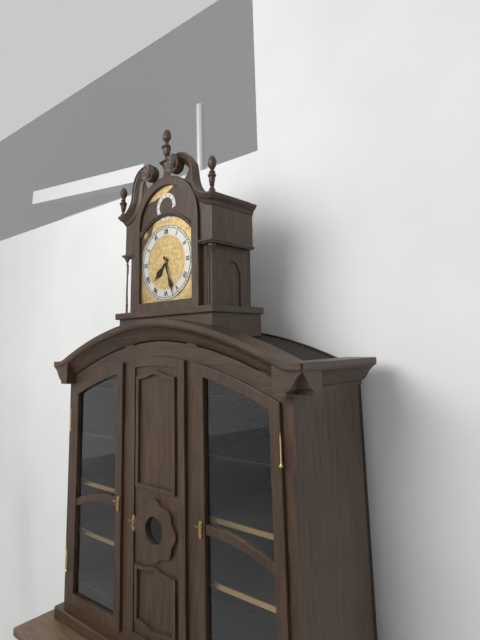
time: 7:27
